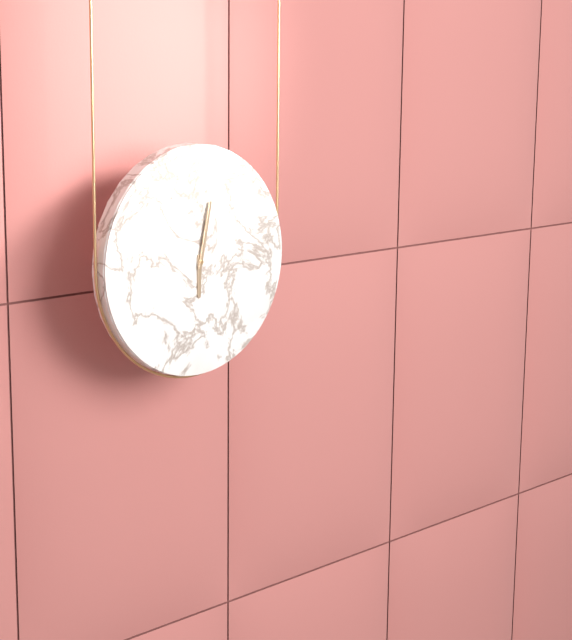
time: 6:02
